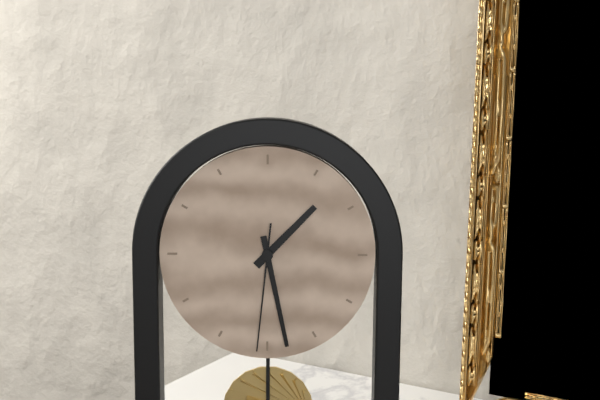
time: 1:28:31
